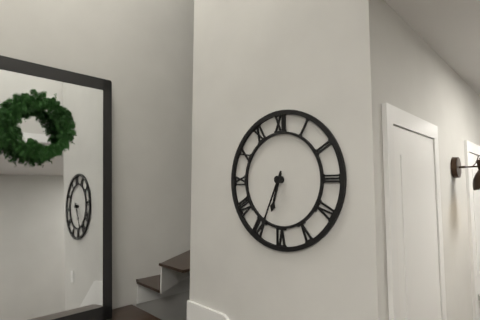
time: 6:34
